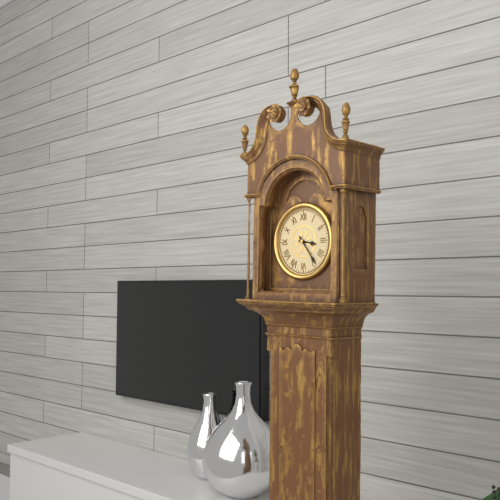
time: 3:24
